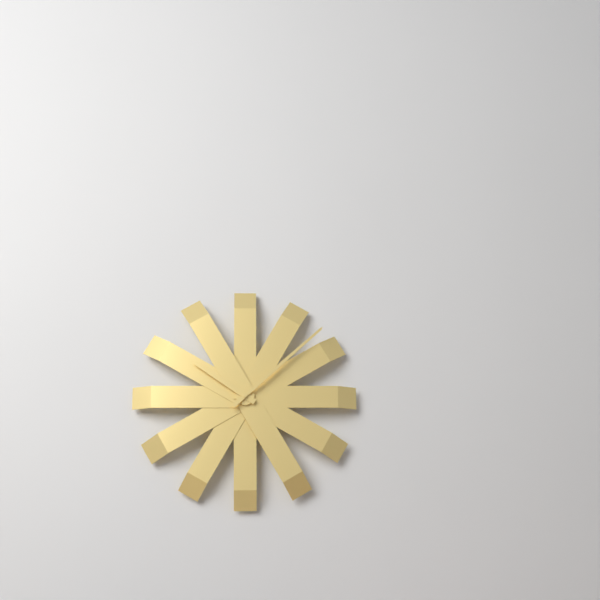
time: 10:08
